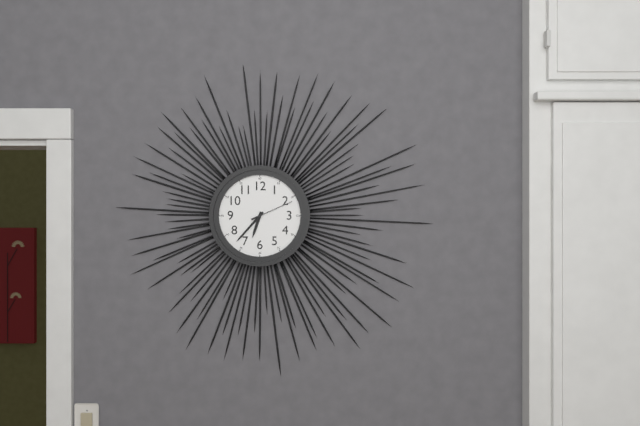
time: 6:37
